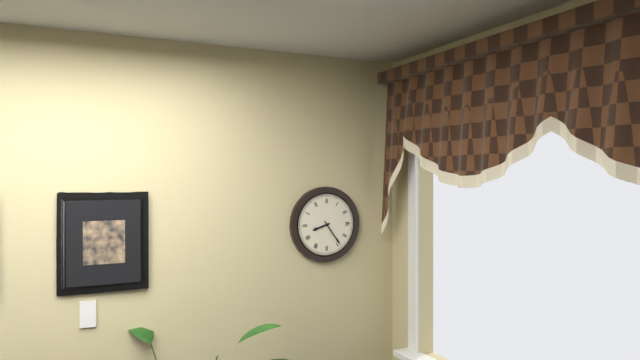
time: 8:24
